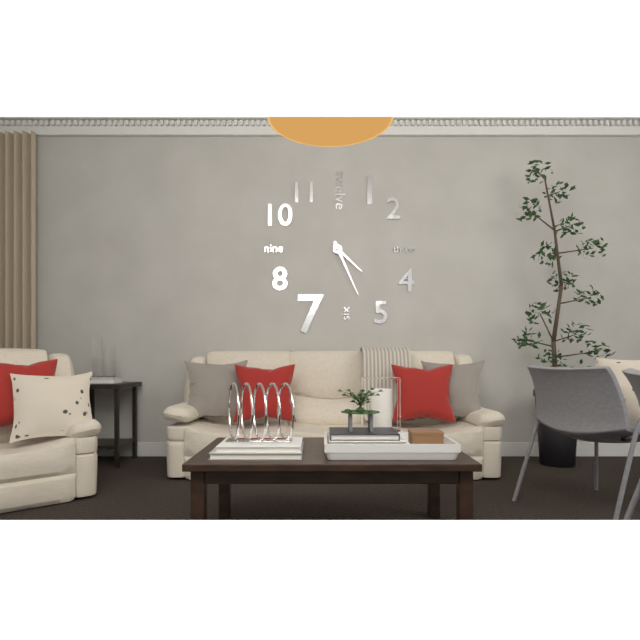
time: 4:26
